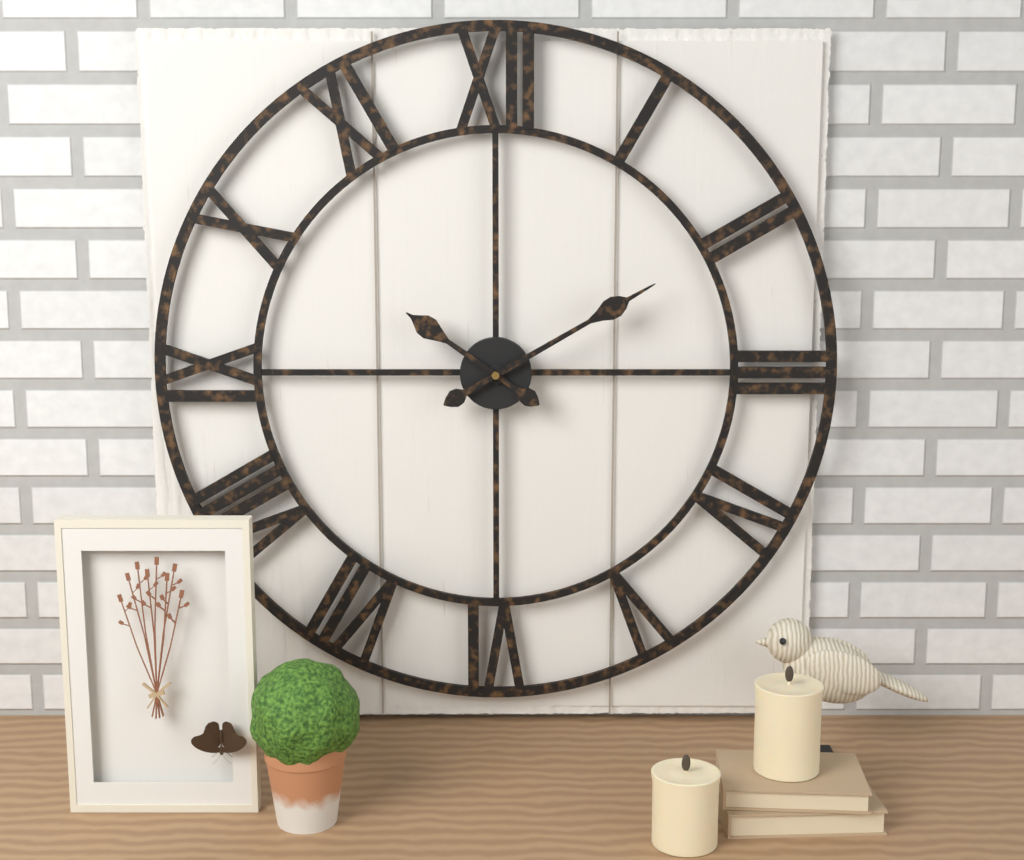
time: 10:10
